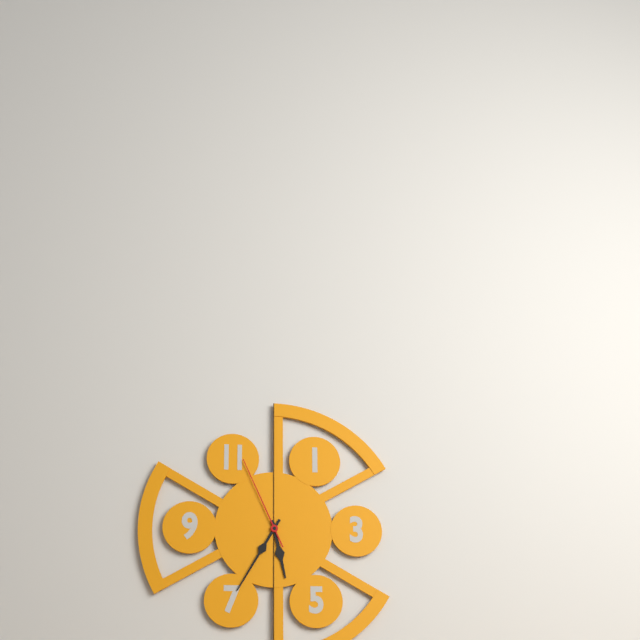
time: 5:35:56
